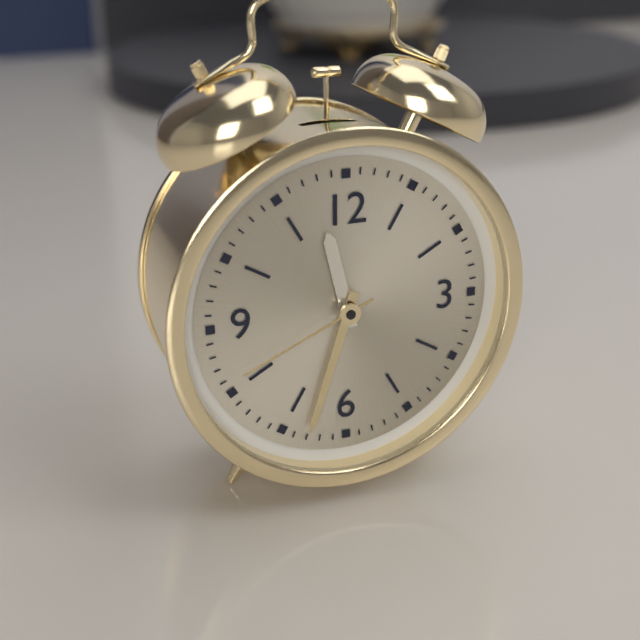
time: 11:33:41
